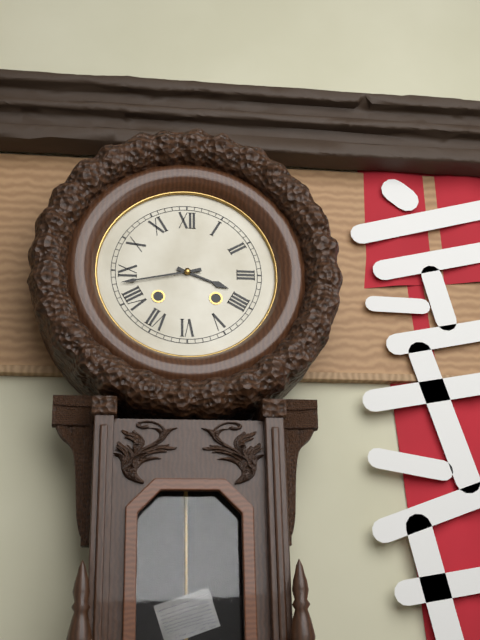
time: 3:43
